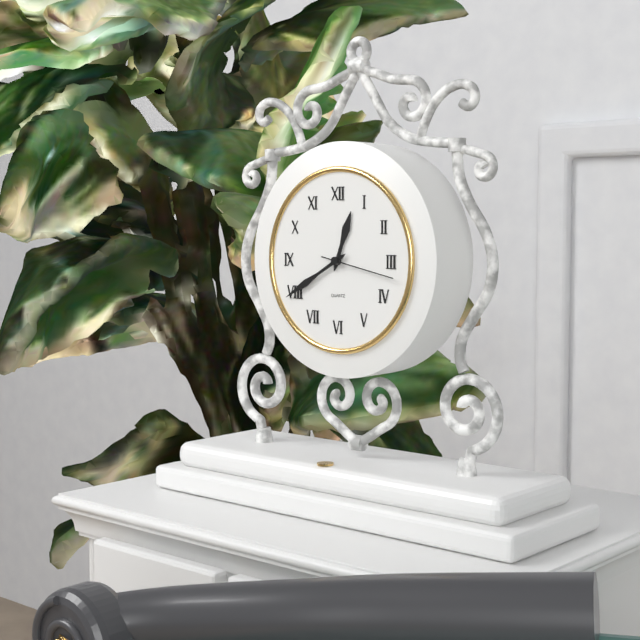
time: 12:40:17
